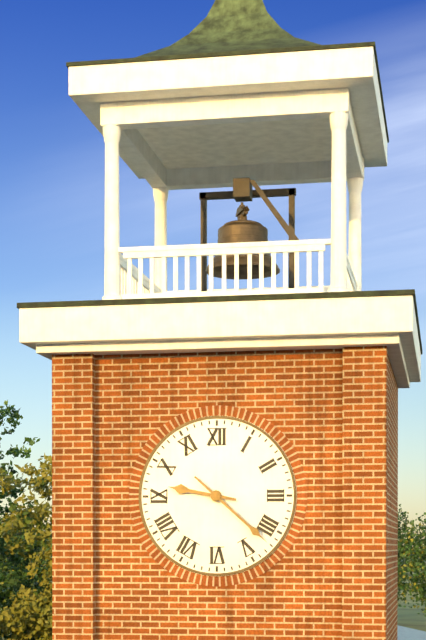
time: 9:22
